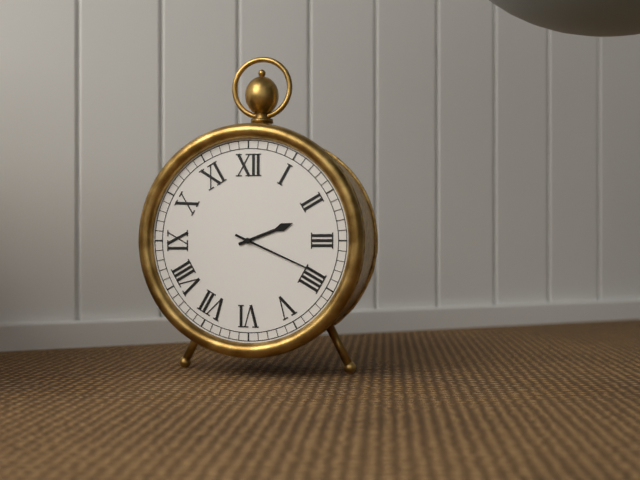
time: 2:19
